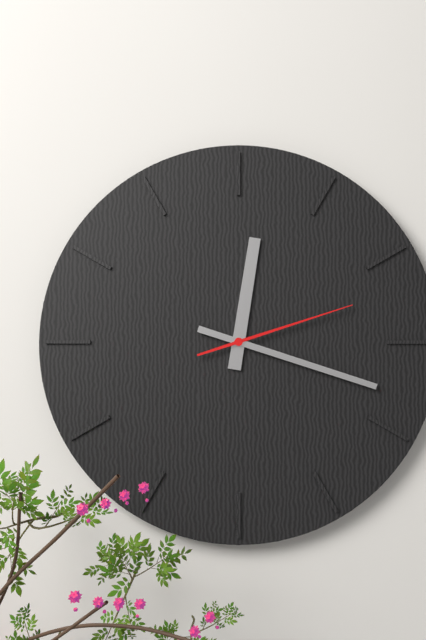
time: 12:18:12
